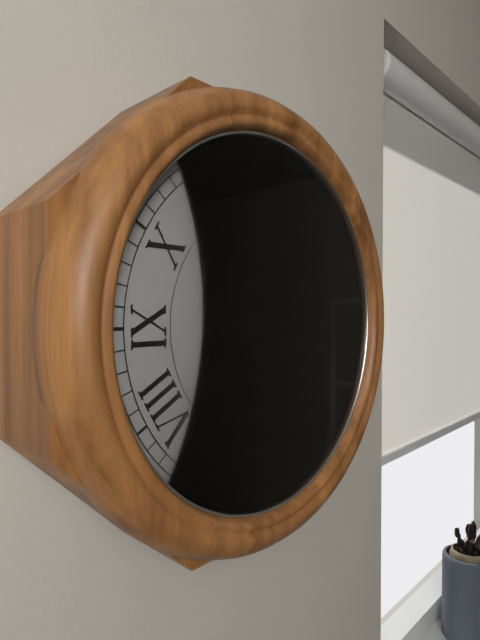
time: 1:34
